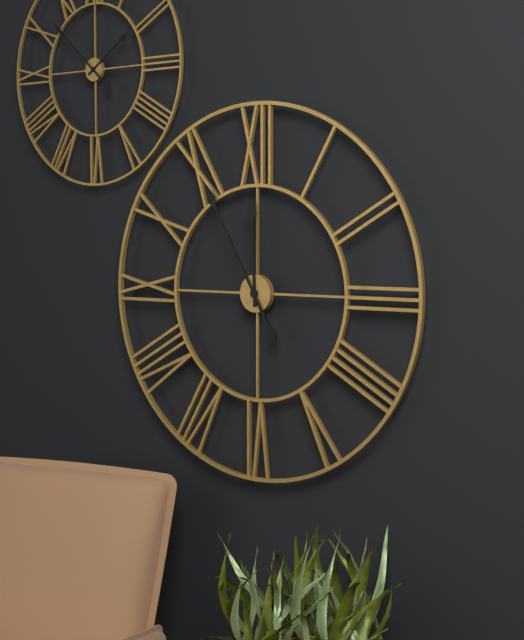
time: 11:55
